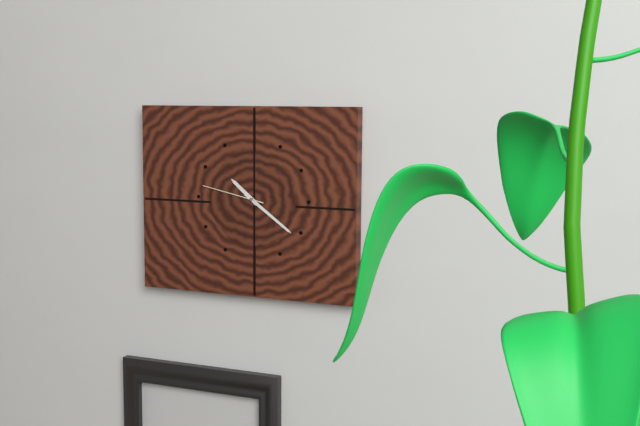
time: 10:21:47
